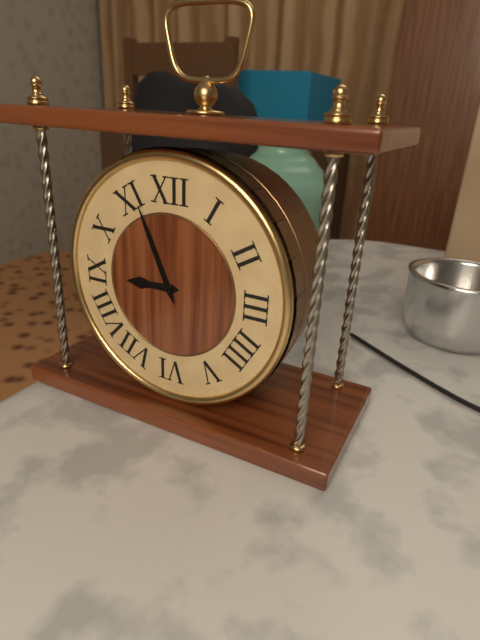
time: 8:56
